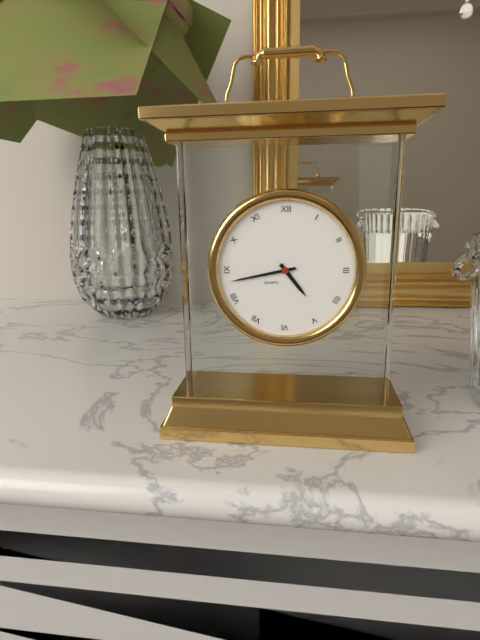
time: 4:43
